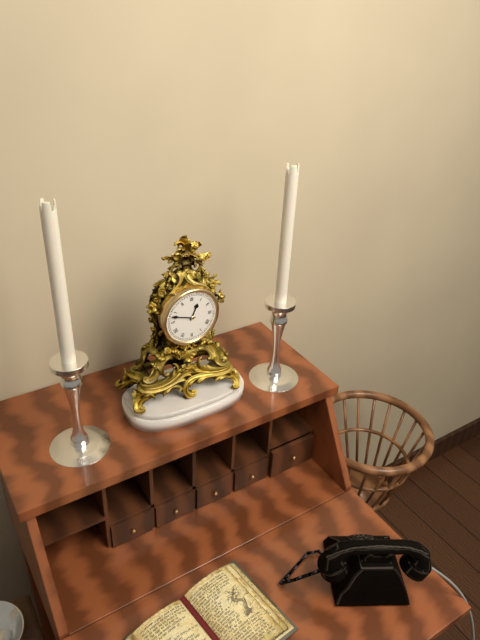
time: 12:48
